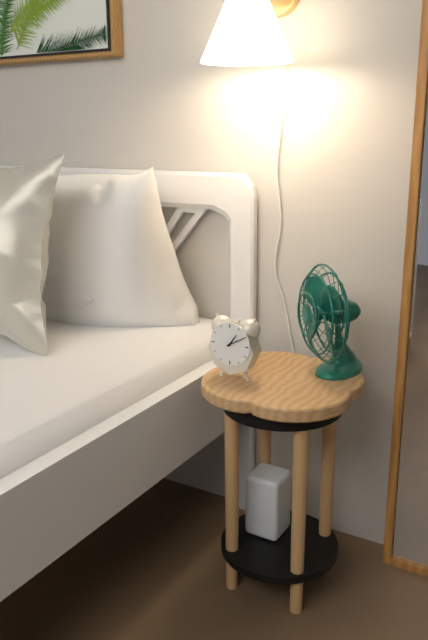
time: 1:10
